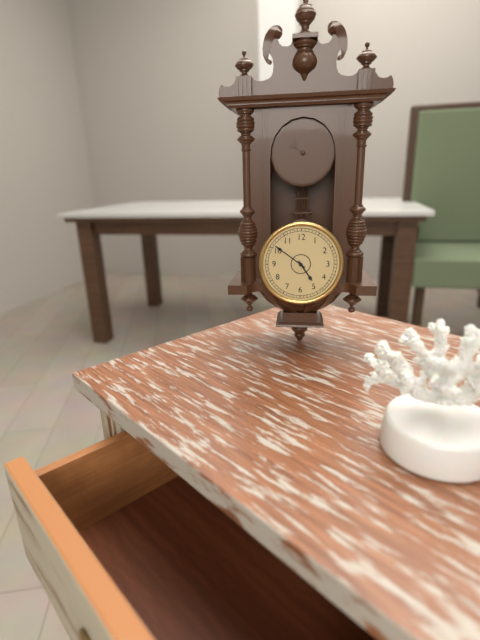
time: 4:51
